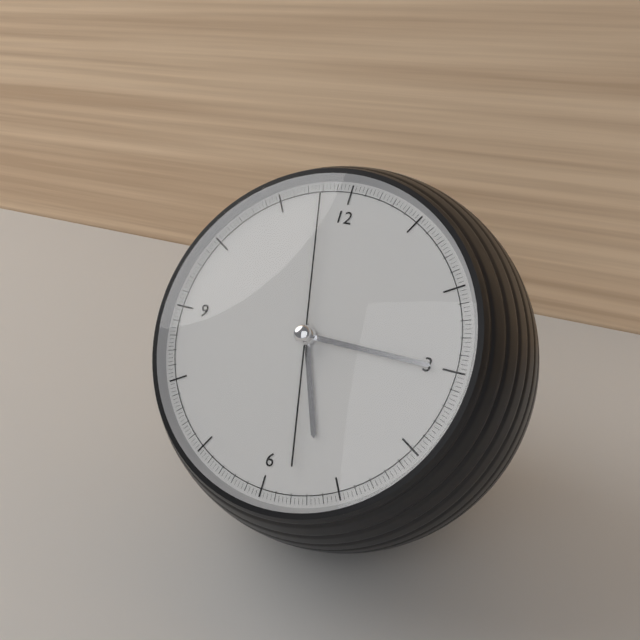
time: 5:15:58
